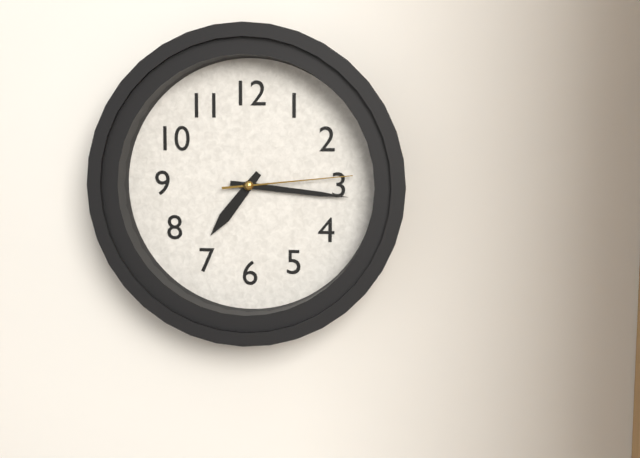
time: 7:16:14
